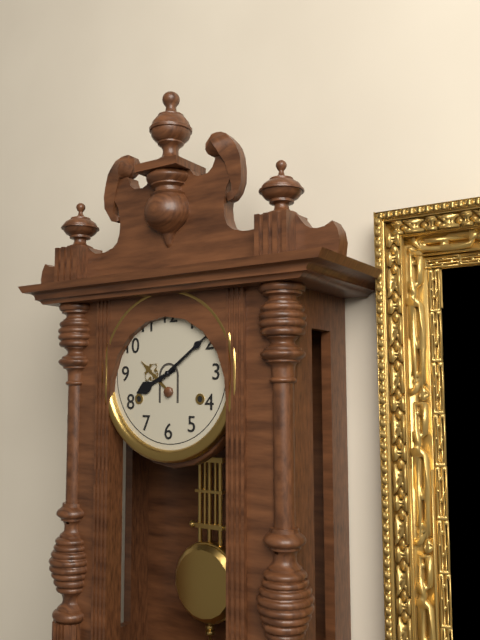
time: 8:09
